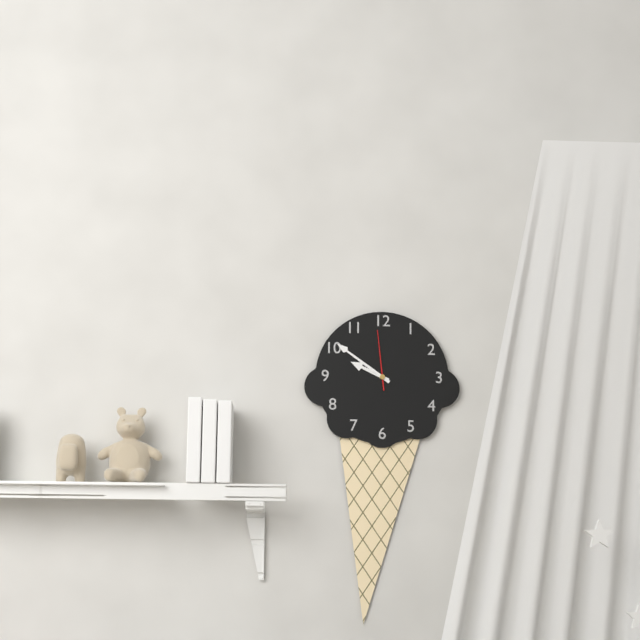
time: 9:51:59
